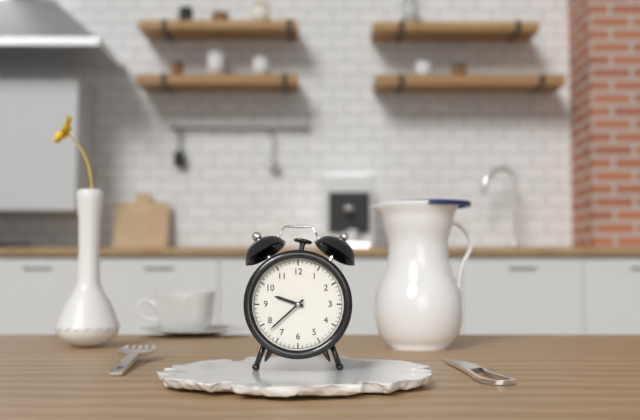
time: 9:38
